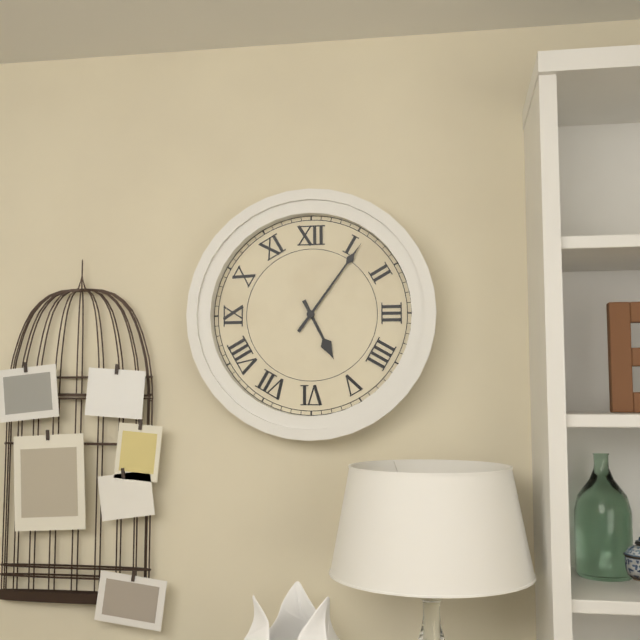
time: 5:06
